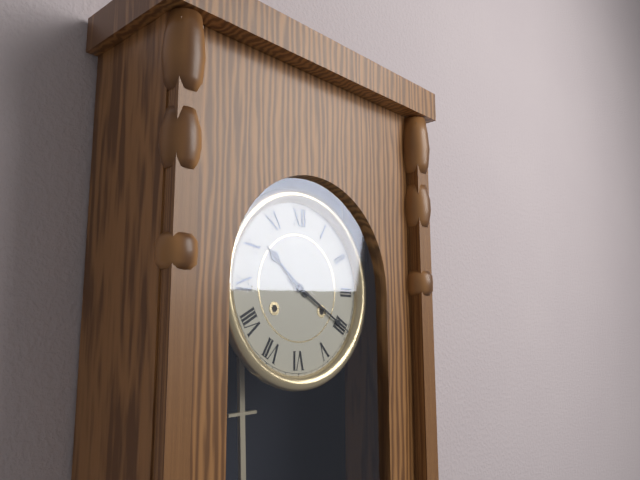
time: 10:20
